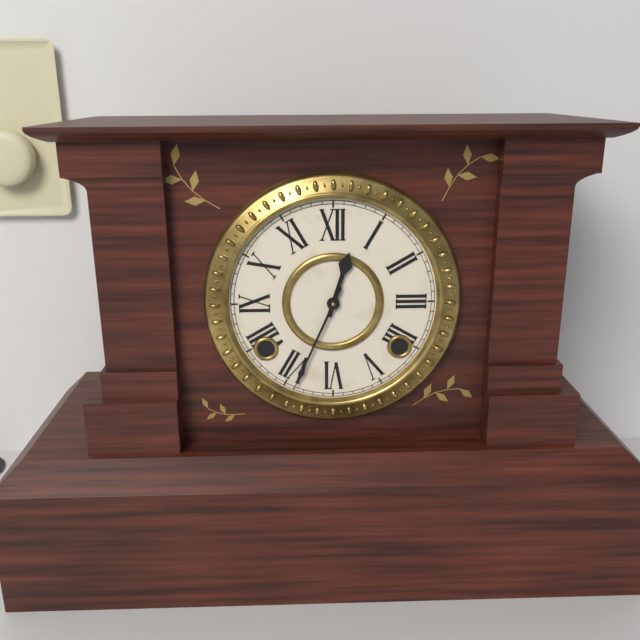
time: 12:34
